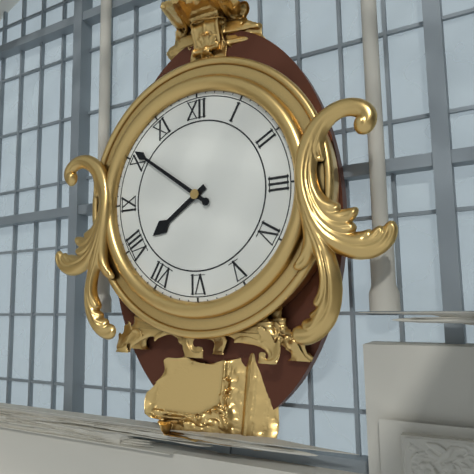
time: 7:51
